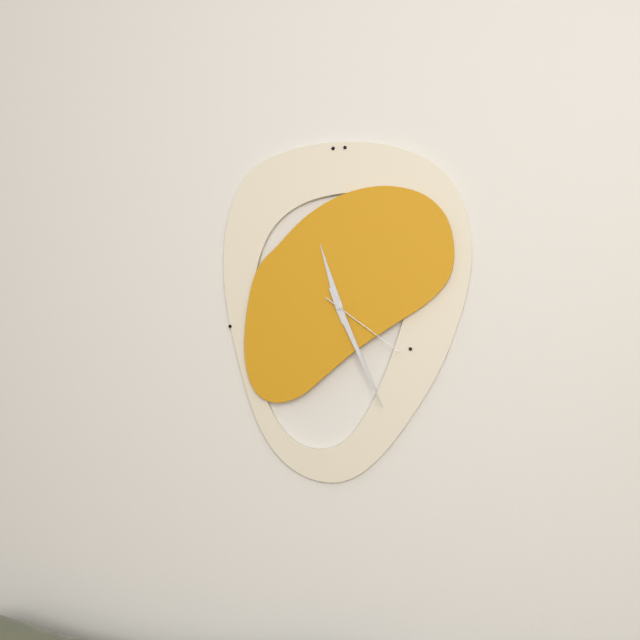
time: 11:26:21
